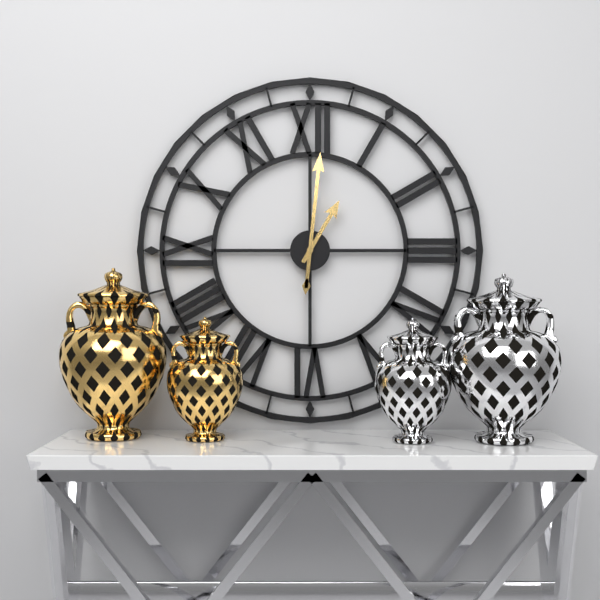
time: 1:01
